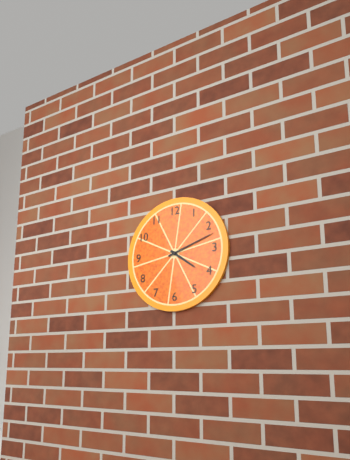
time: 4:12
